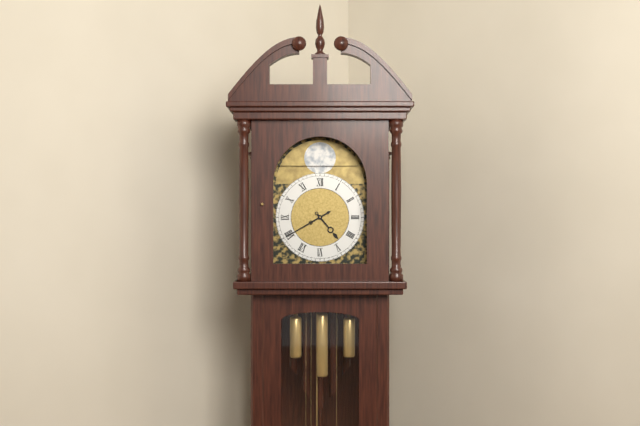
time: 4:40
